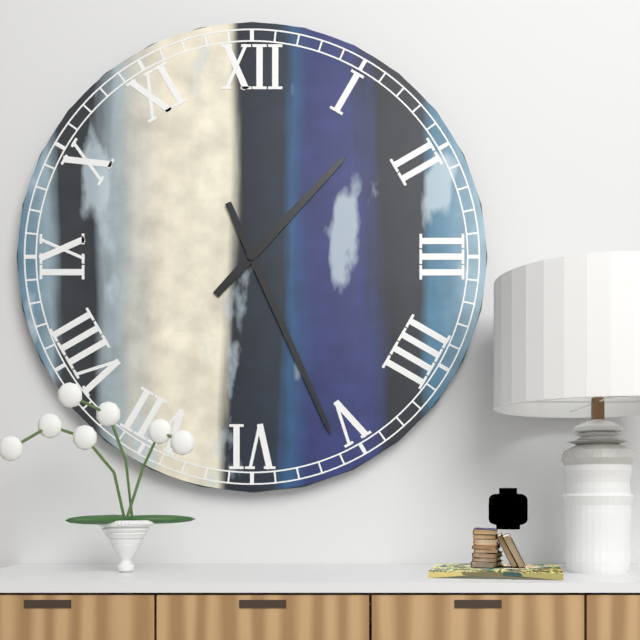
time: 1:26
